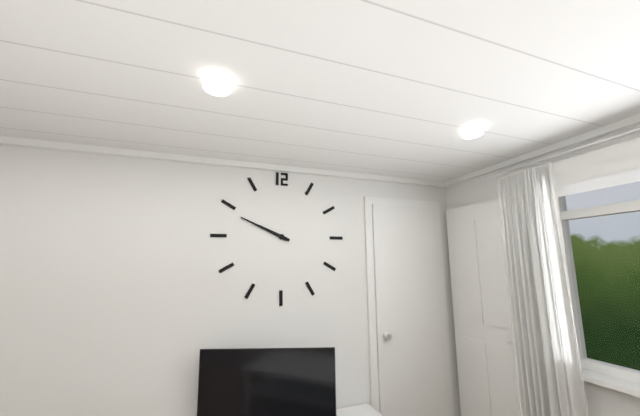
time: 9:49
